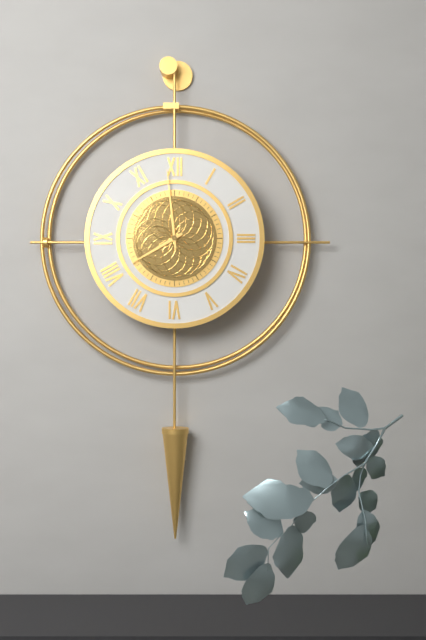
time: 7:59
